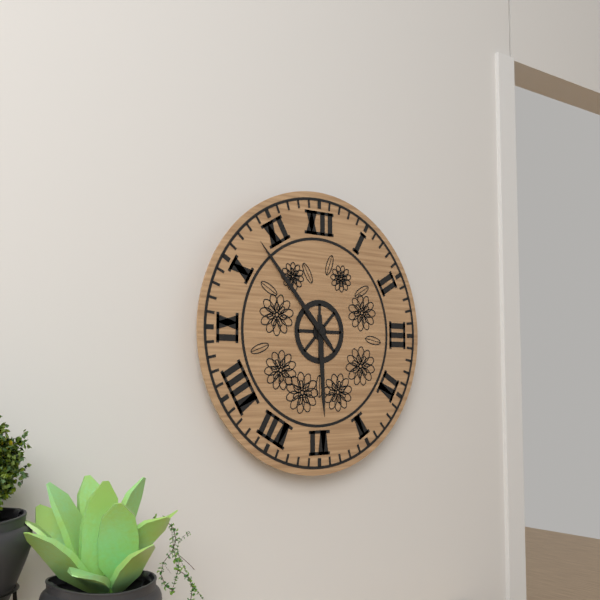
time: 5:53
